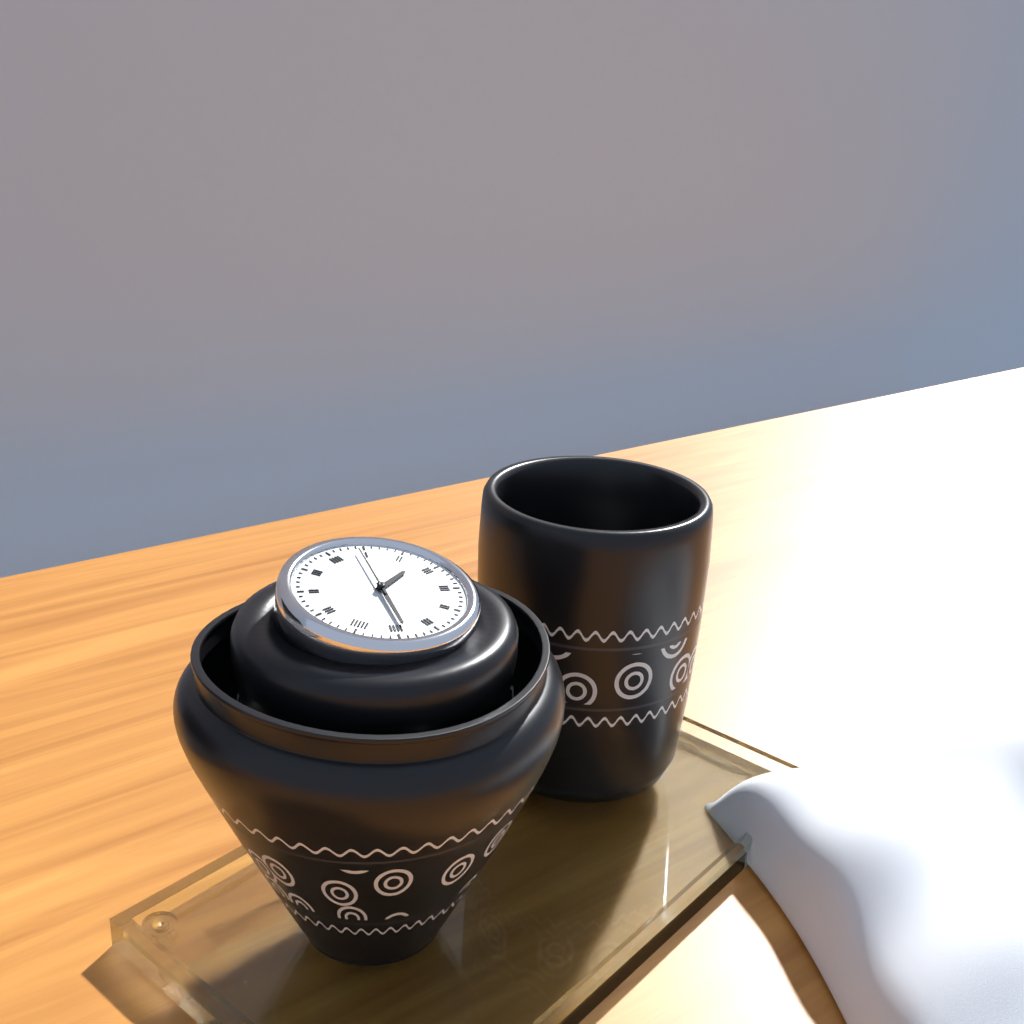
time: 2:34:04
